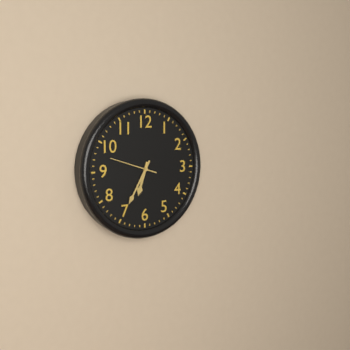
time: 6:35
